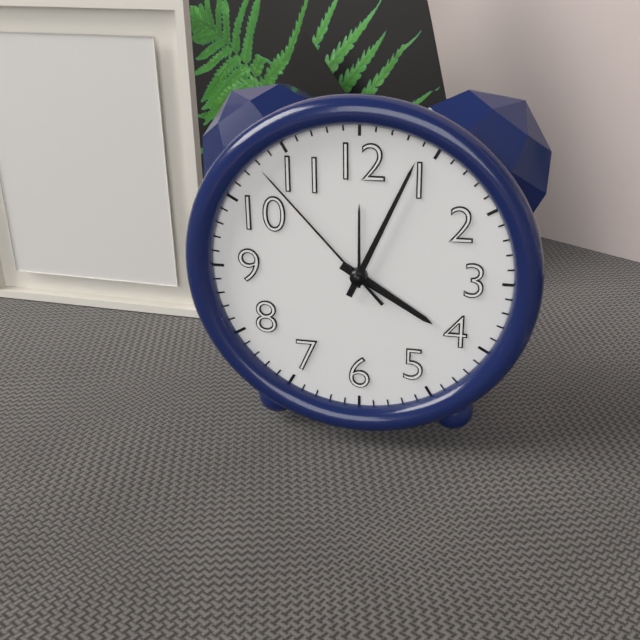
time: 4:04:53
